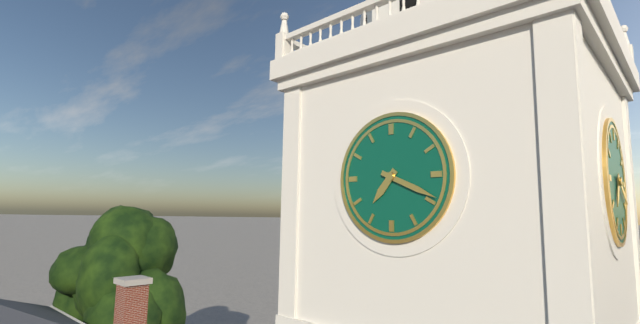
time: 7:19
